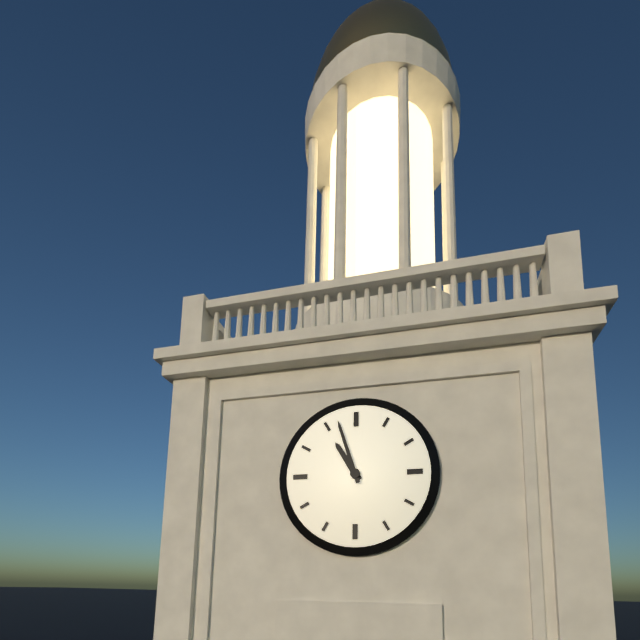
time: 10:57
